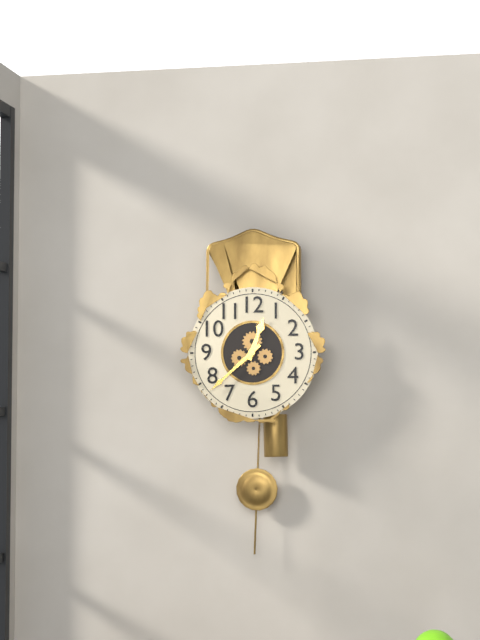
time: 12:38
